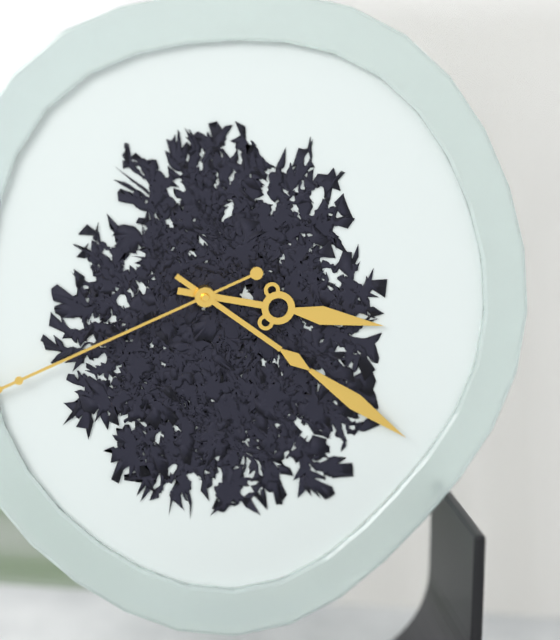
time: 3:21
